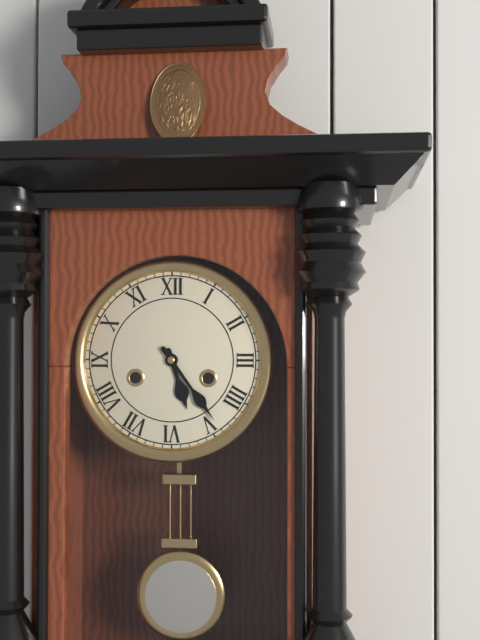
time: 5:24
